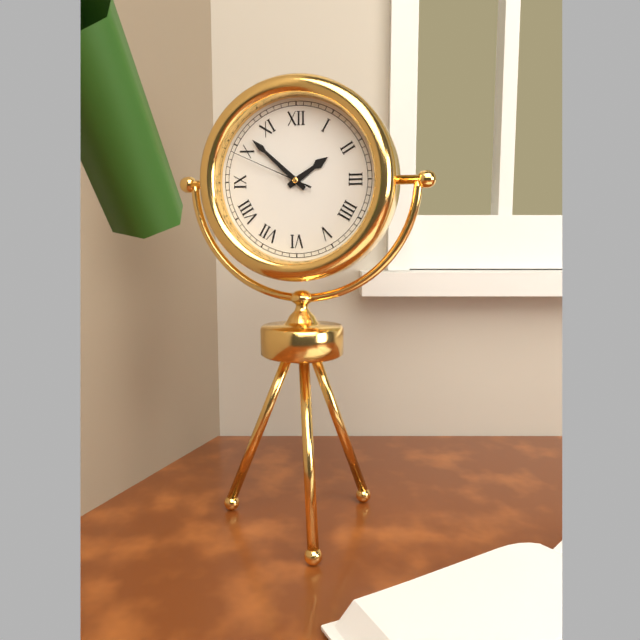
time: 1:52:49
